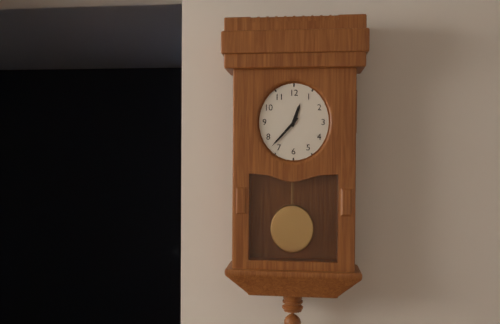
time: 12:37
